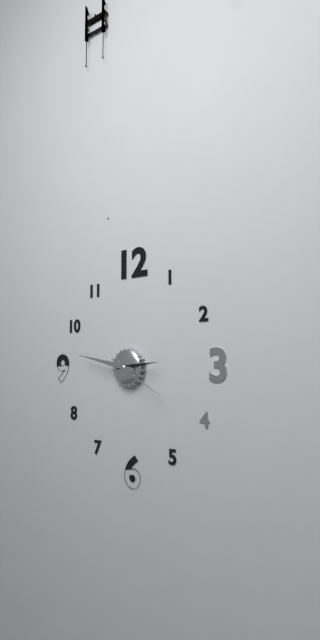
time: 2:47:20
